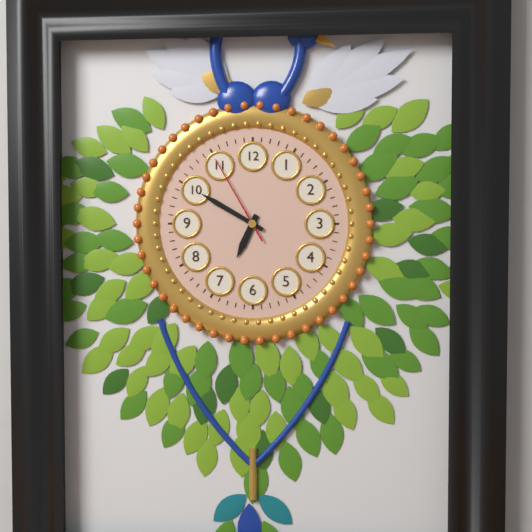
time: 6:50:55
